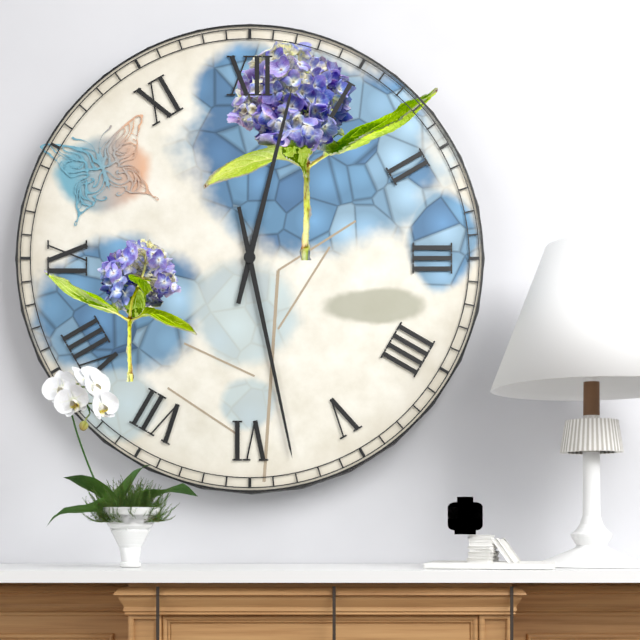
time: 12:28
